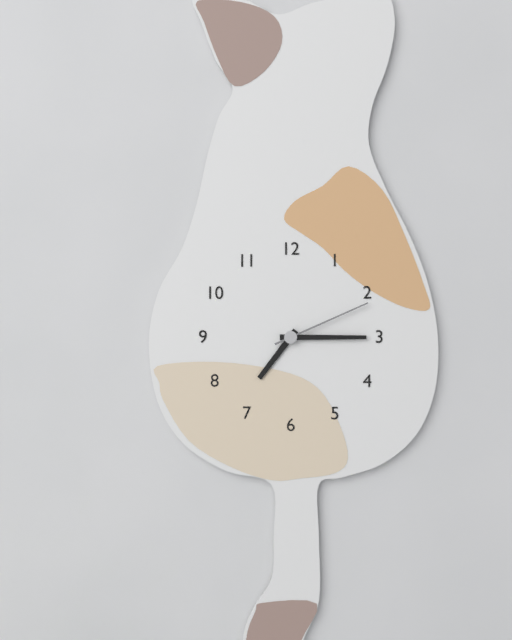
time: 7:15:11
